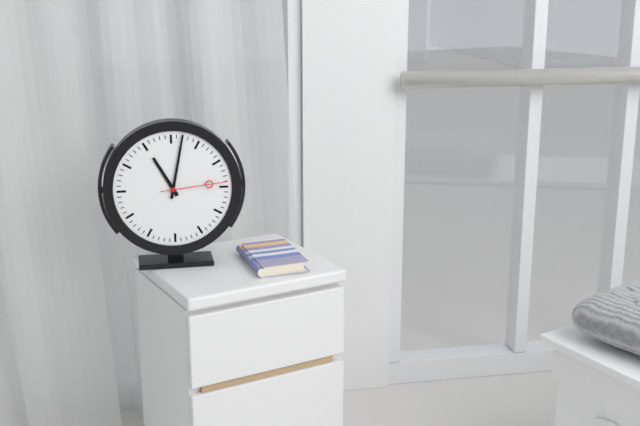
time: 11:02:14
